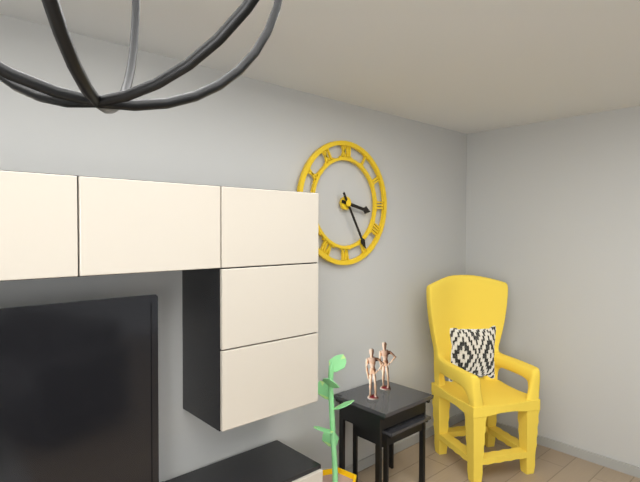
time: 3:25
